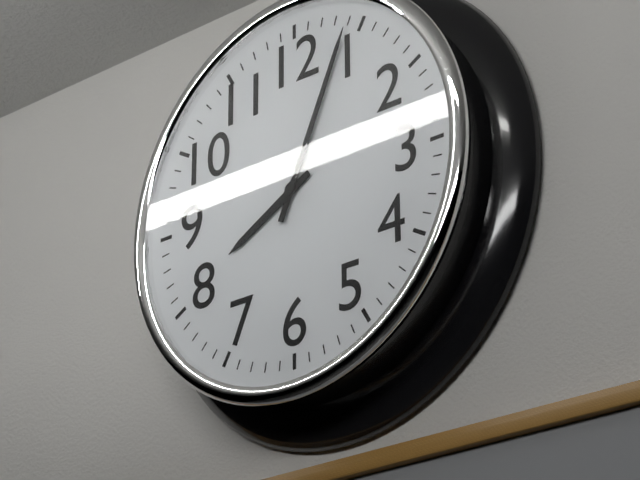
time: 8:04
